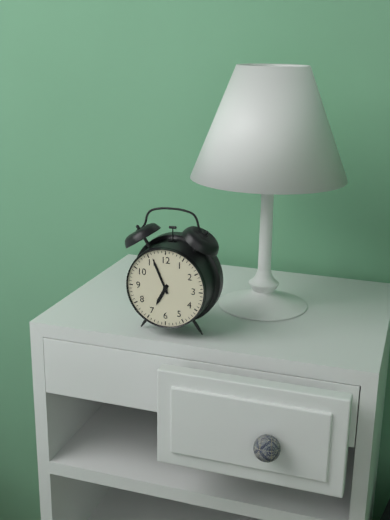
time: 6:56
